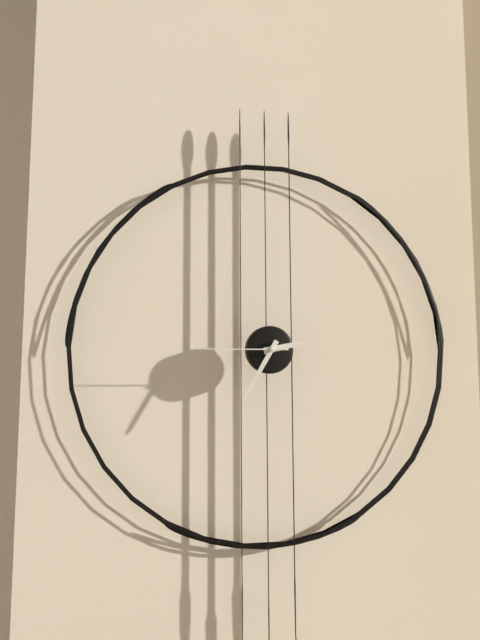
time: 2:35:45
